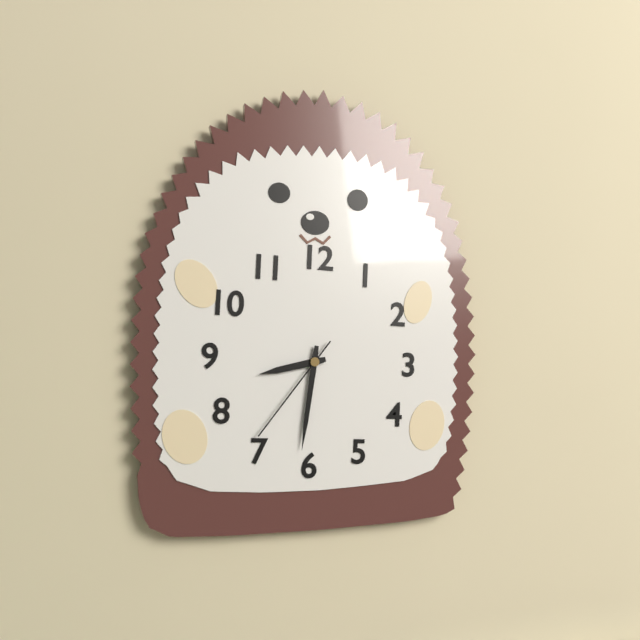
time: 8:31:36
